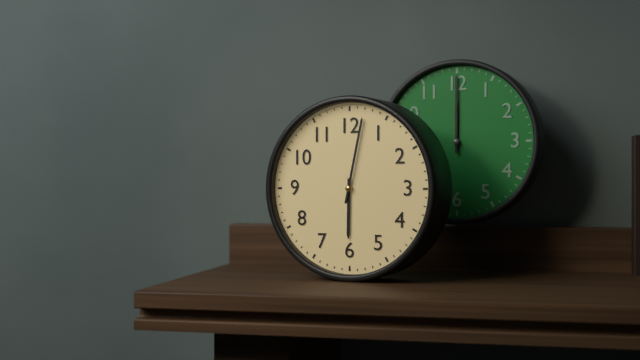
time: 6:02
